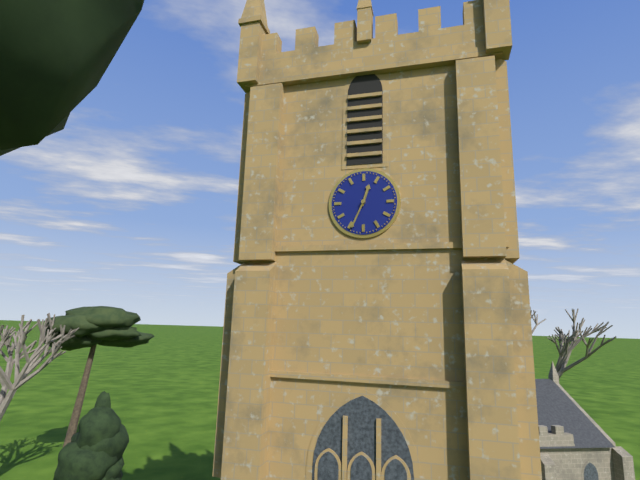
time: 12:34
